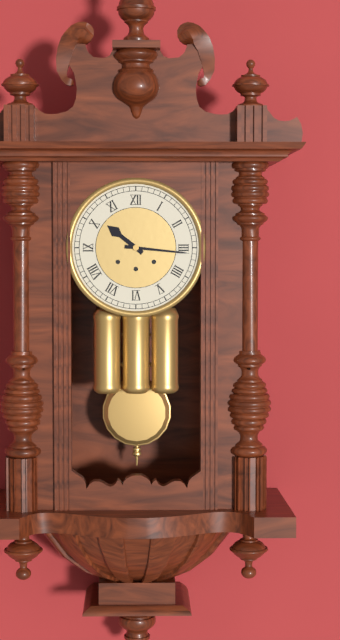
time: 10:16
